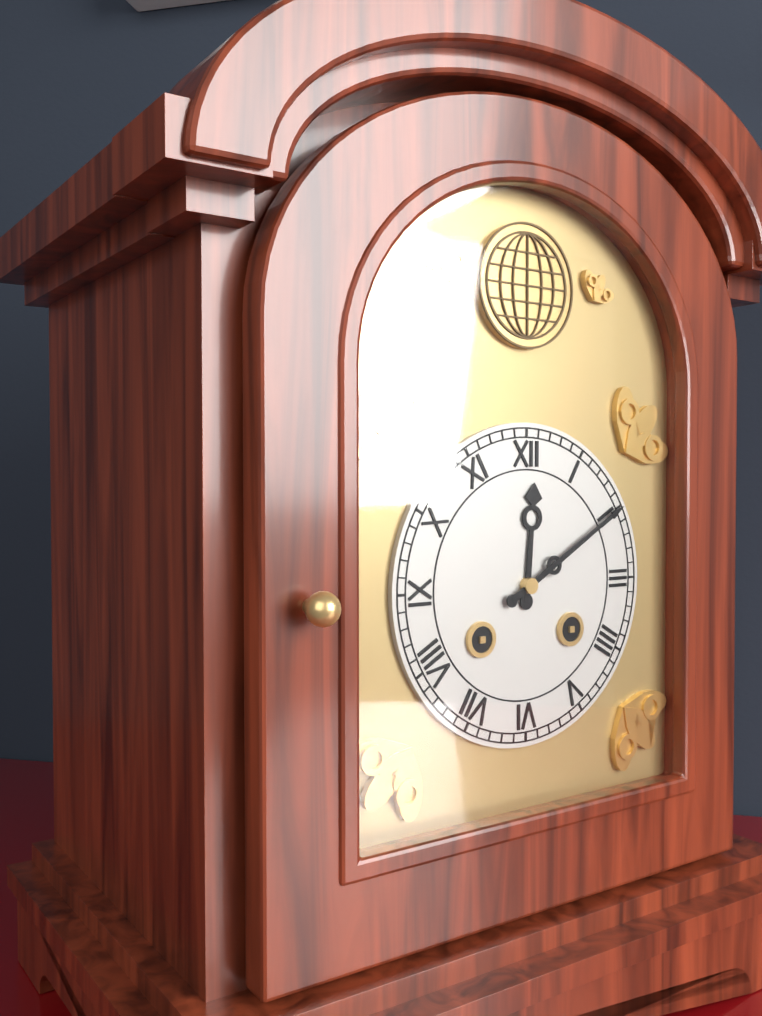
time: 12:10
